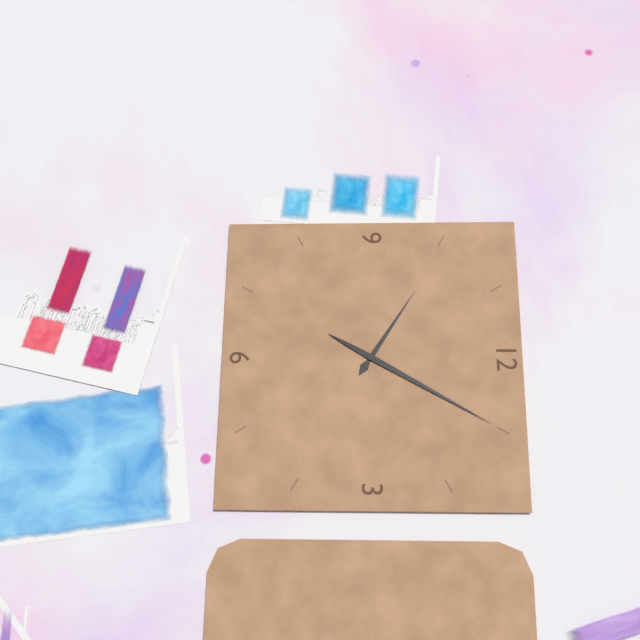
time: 10:05
